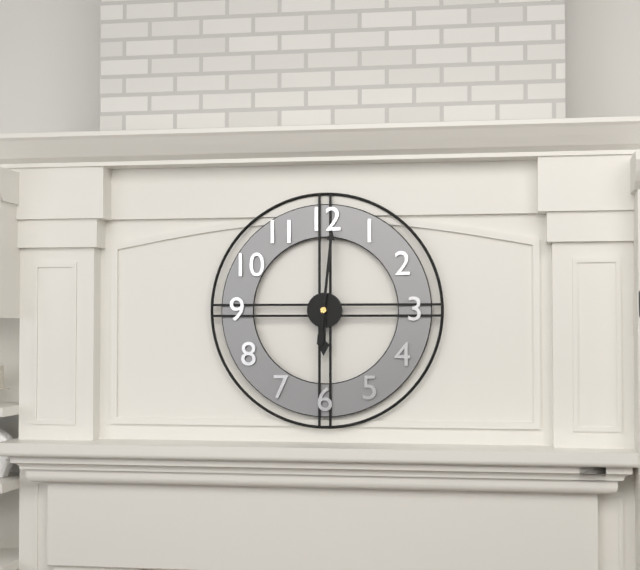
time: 6:01
